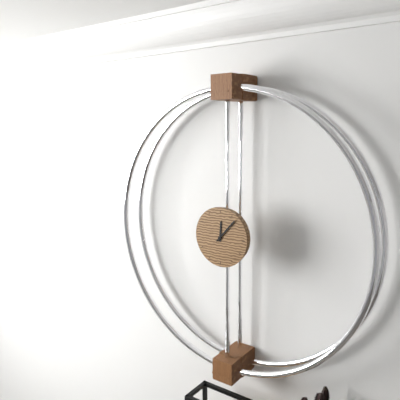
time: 12:07
